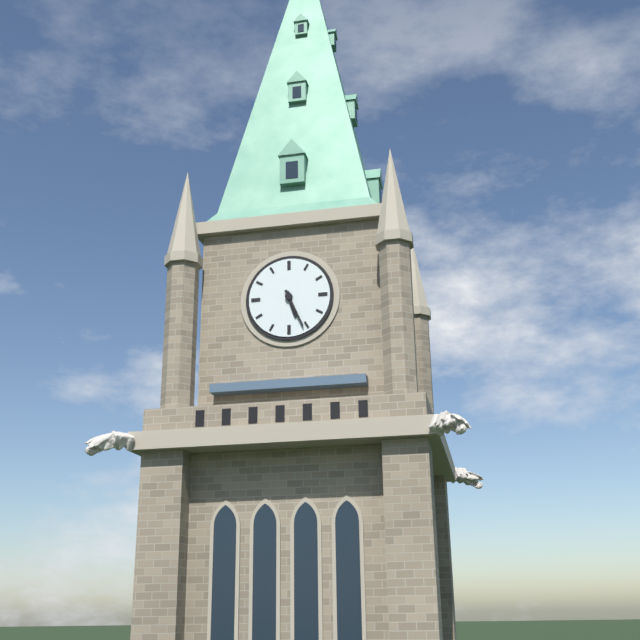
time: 5:26
